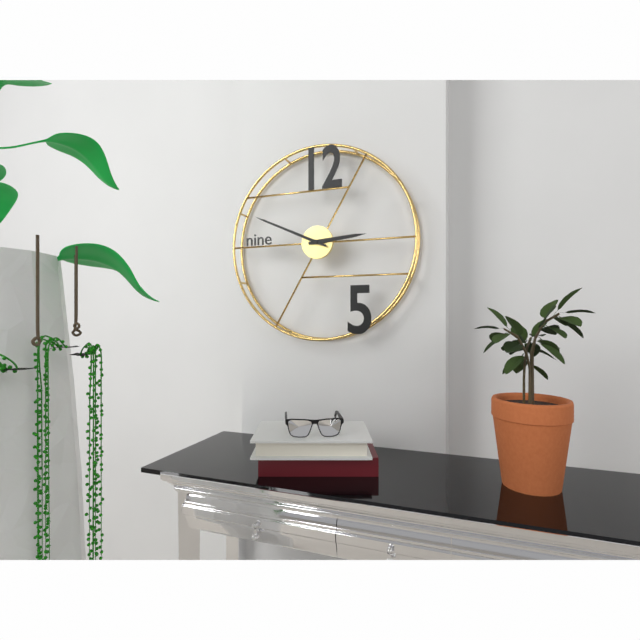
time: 2:49
